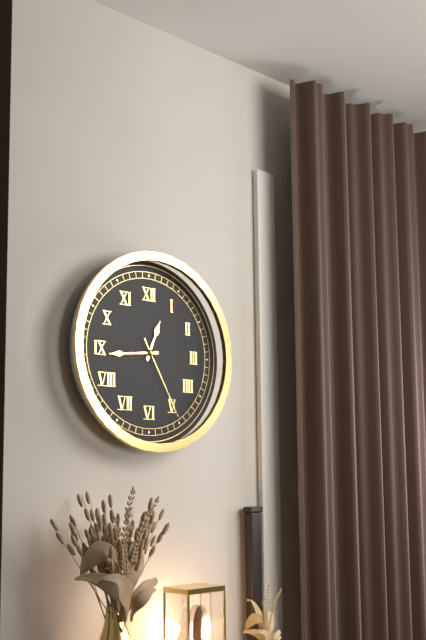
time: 12:44:25
